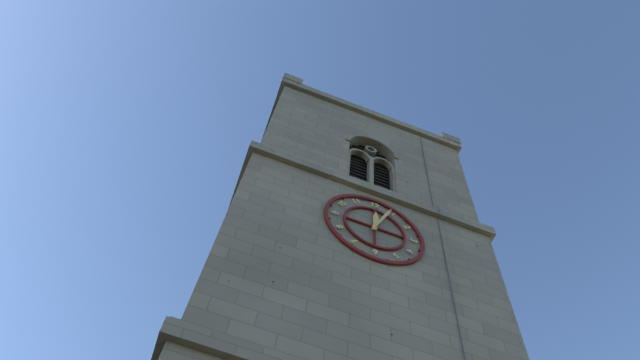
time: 12:04
